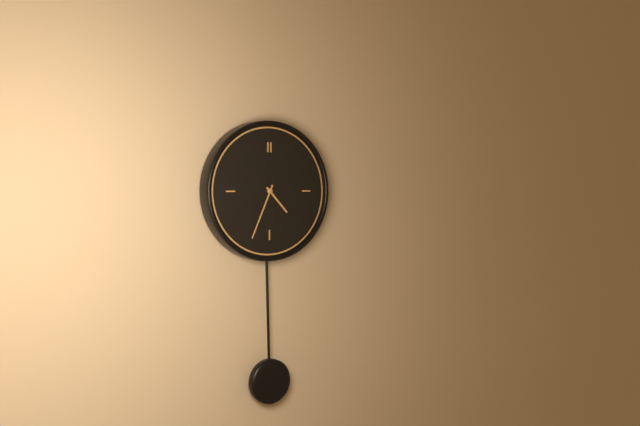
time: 4:34
